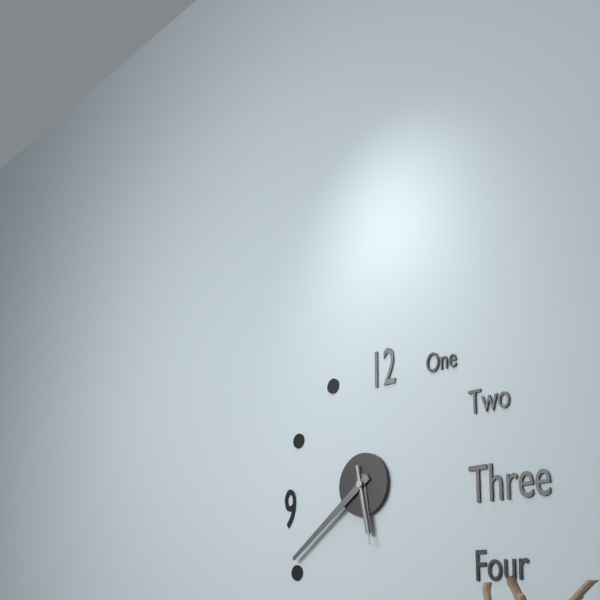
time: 5:39:28
